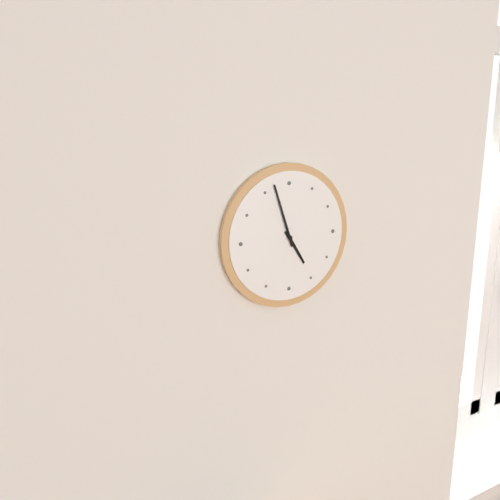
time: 4:57
